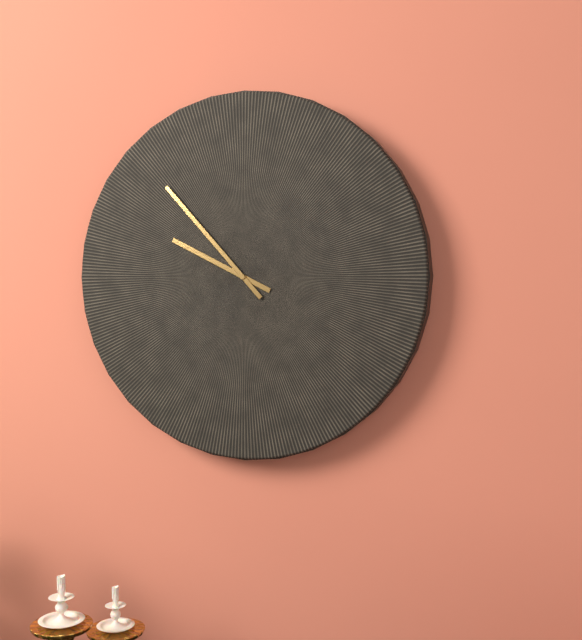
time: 9:53
